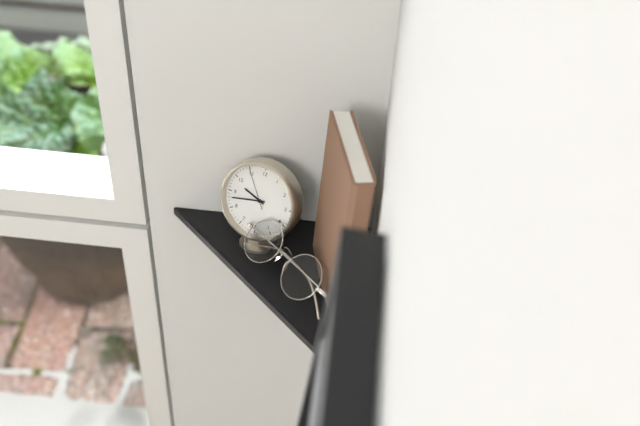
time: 9:43
